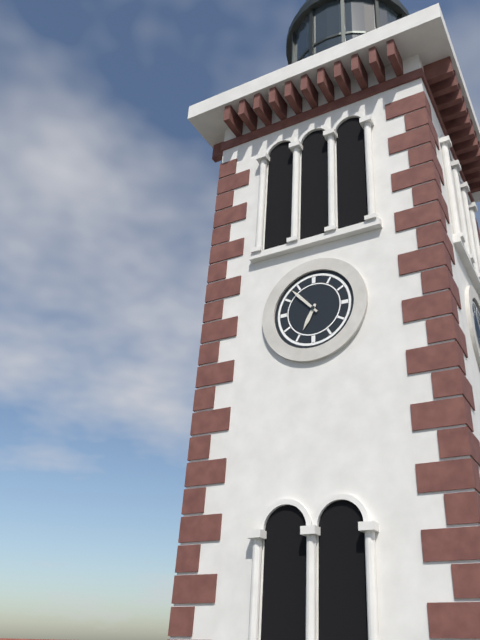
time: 6:53
